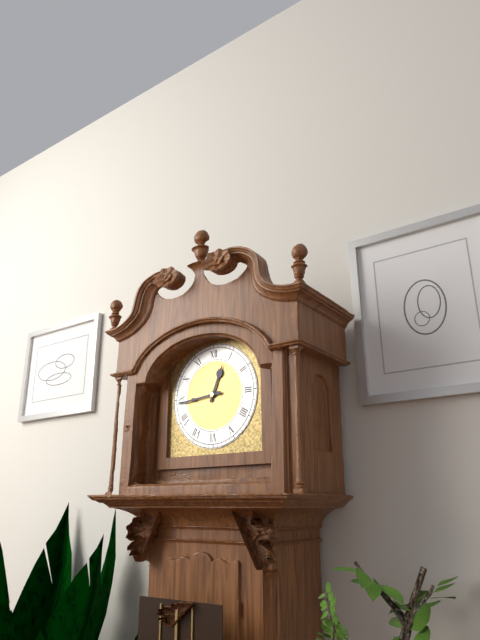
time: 12:44
